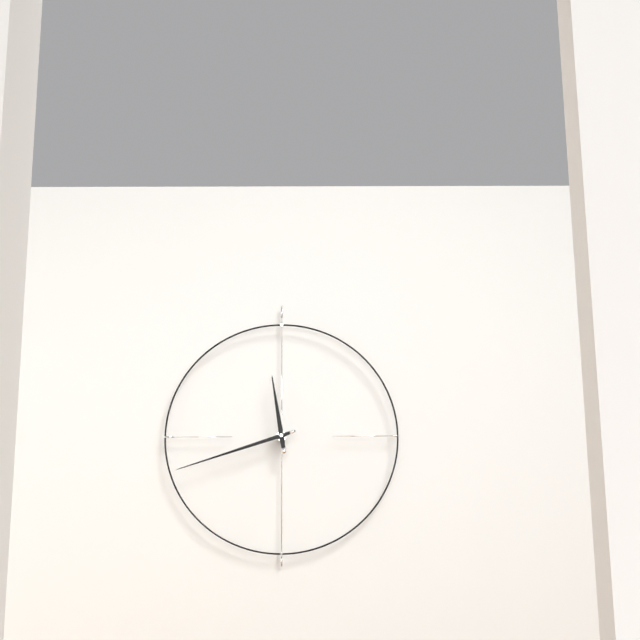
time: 11:42
